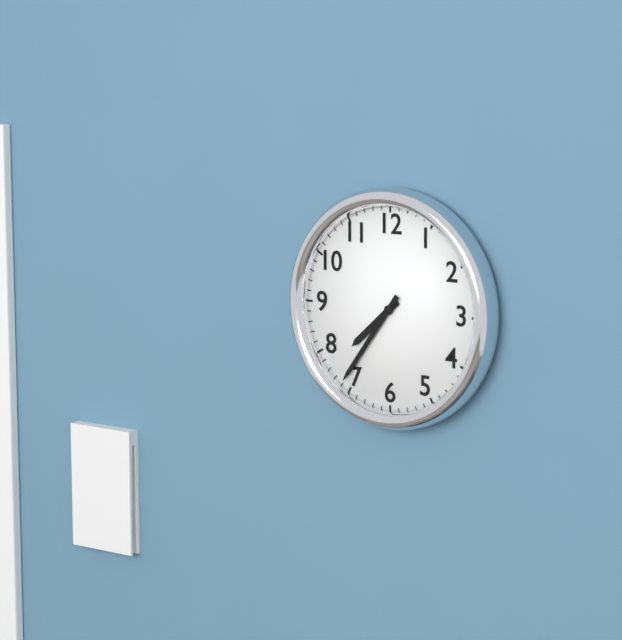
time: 7:36
